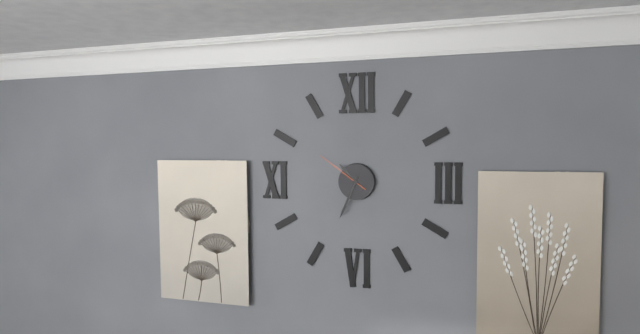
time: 10:34:51
